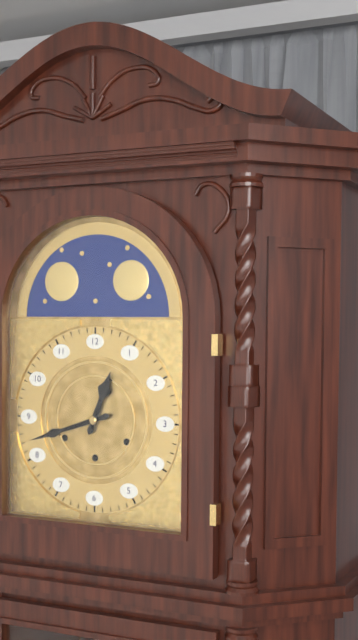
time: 12:42
